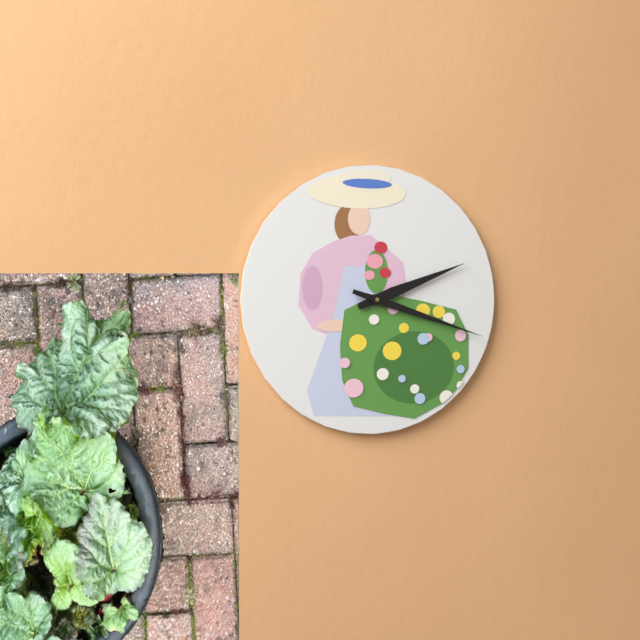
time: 2:18
